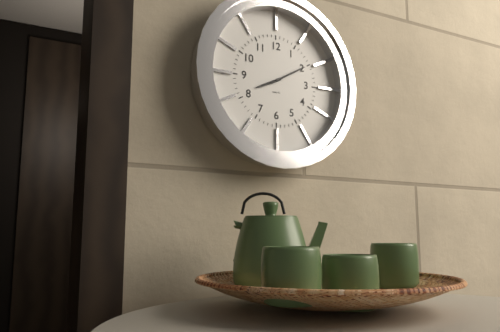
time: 8:10
